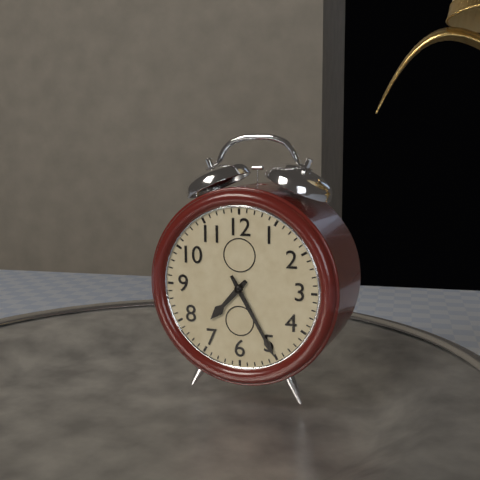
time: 7:25
